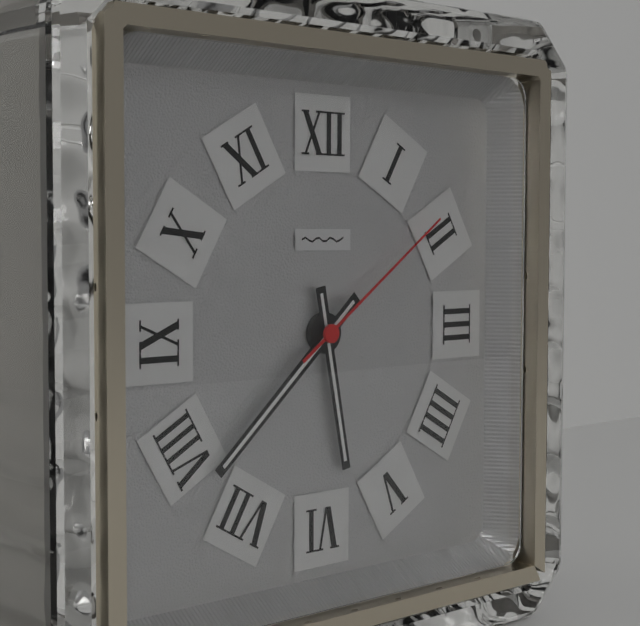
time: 5:38:09
